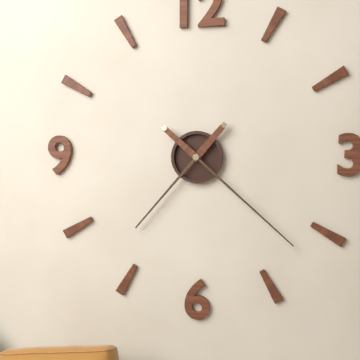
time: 7:22
